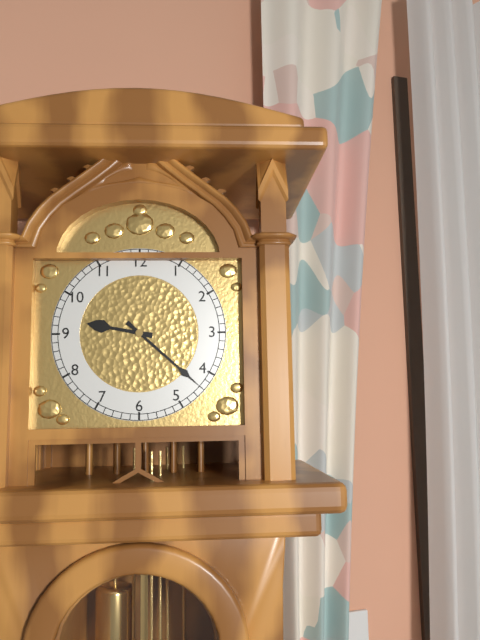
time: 9:22
